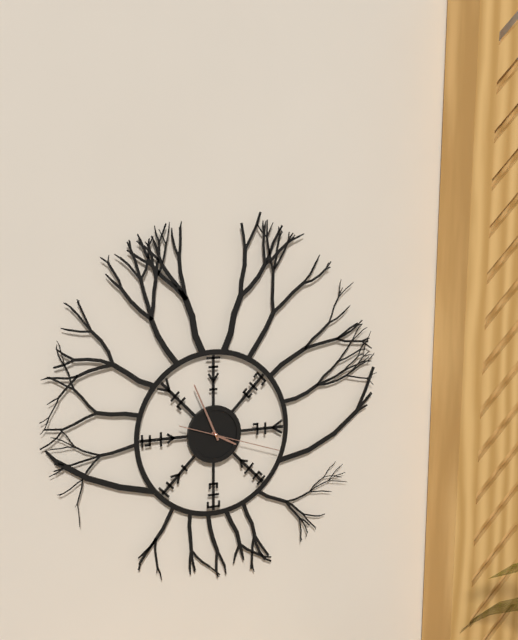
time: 3:56:18
